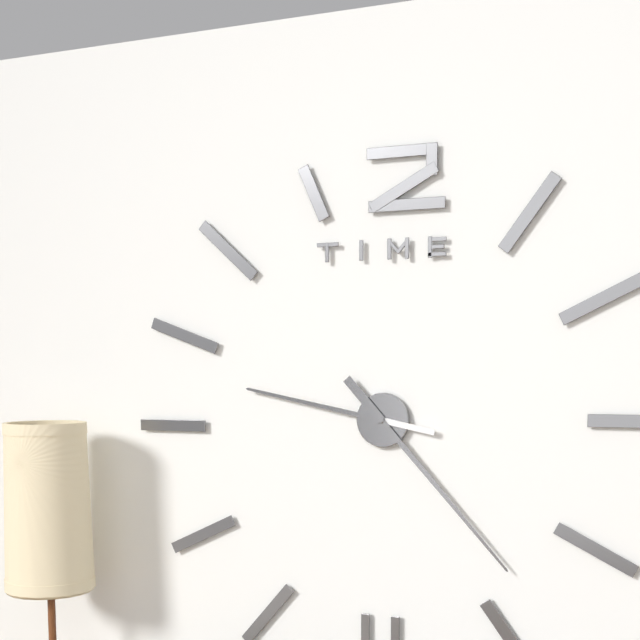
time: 9:23
